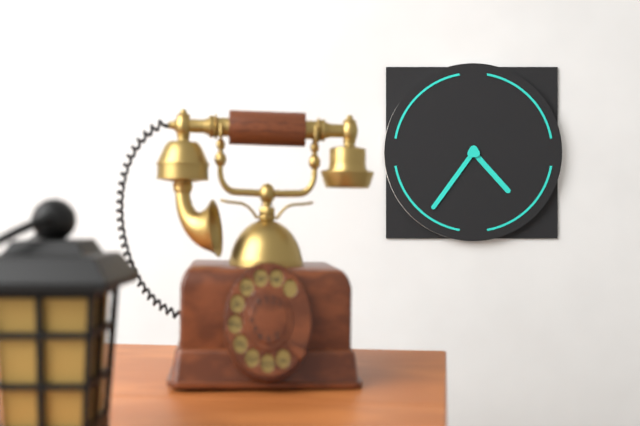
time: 4:36
